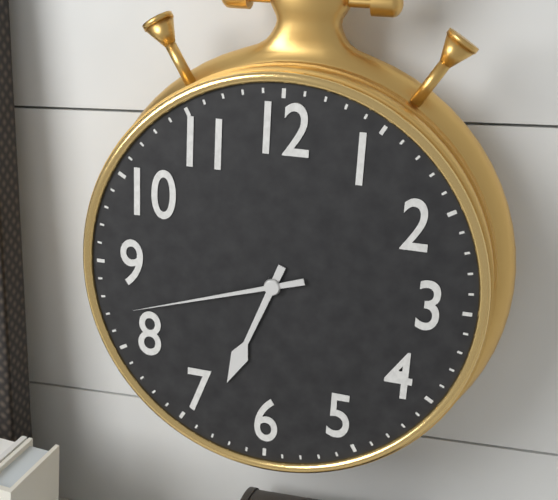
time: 6:42
